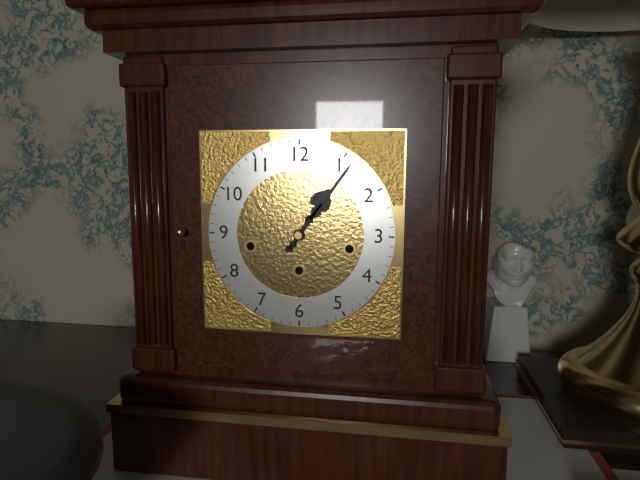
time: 1:06
